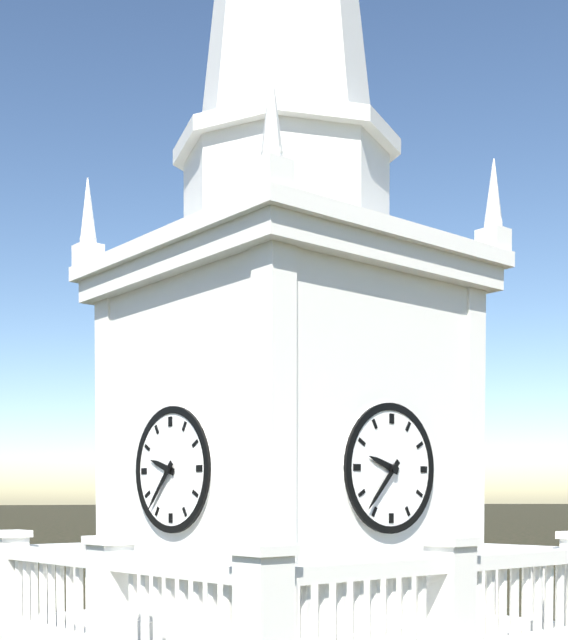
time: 9:37
